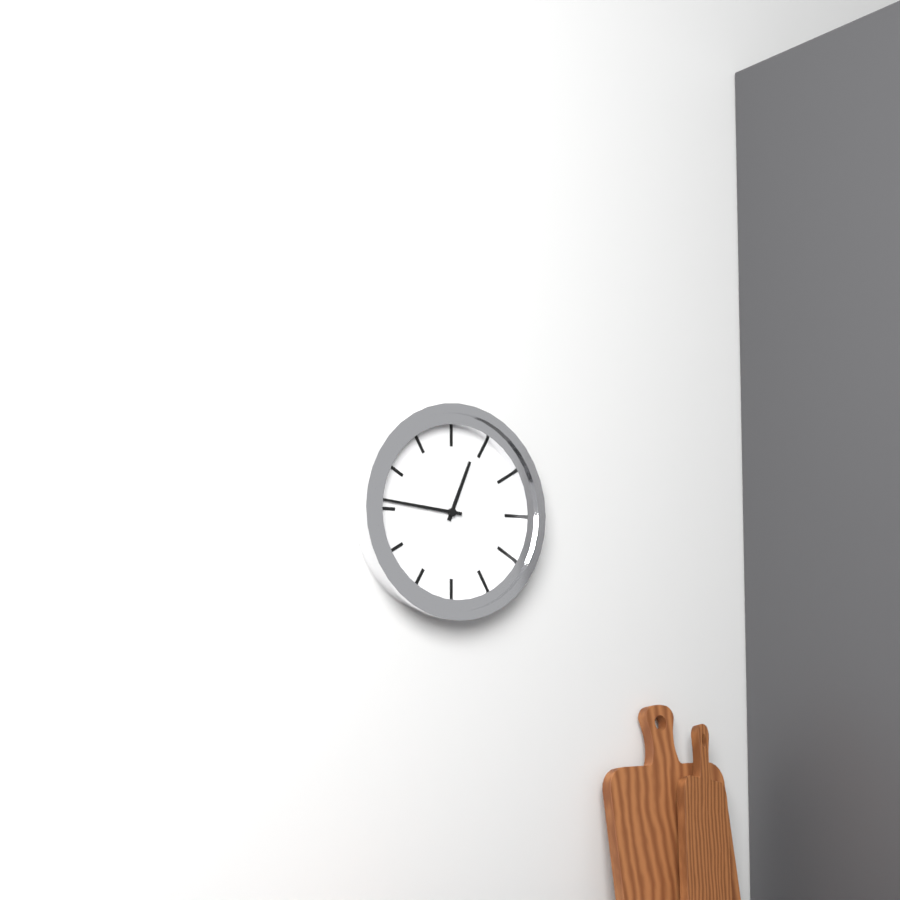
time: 12:46
